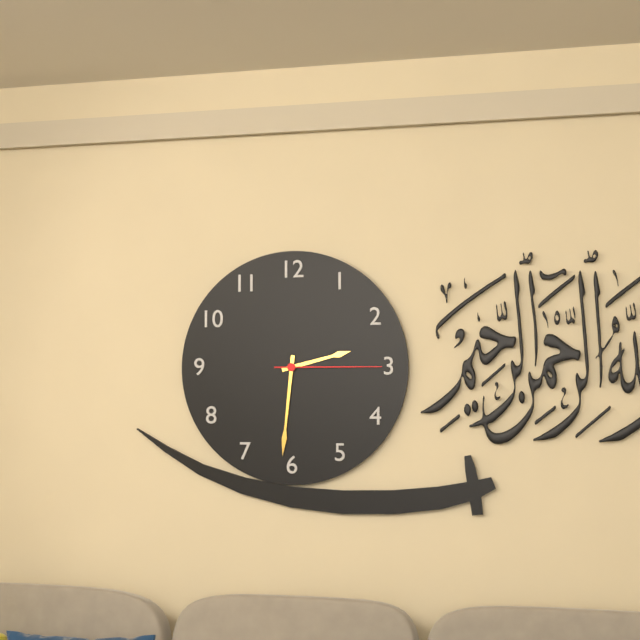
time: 2:31:15
